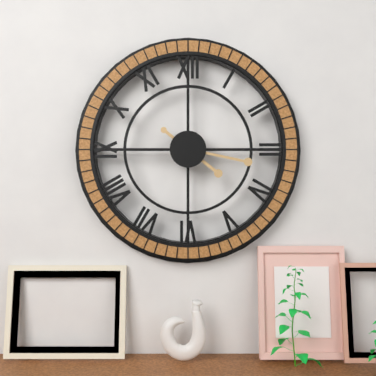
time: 4:17
